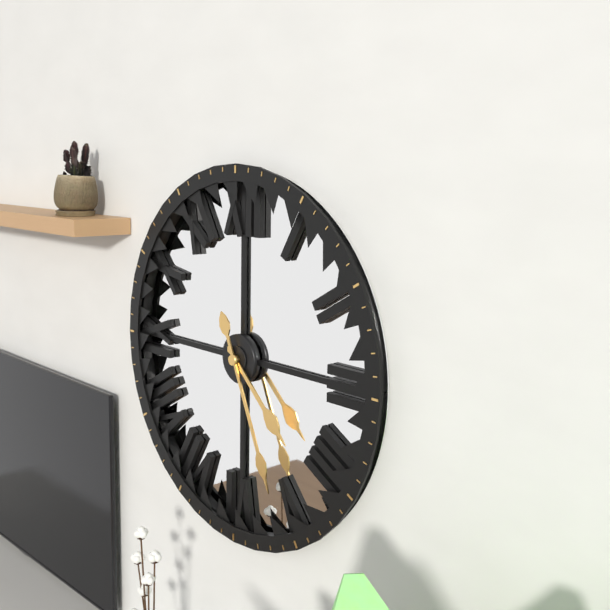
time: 4:26
